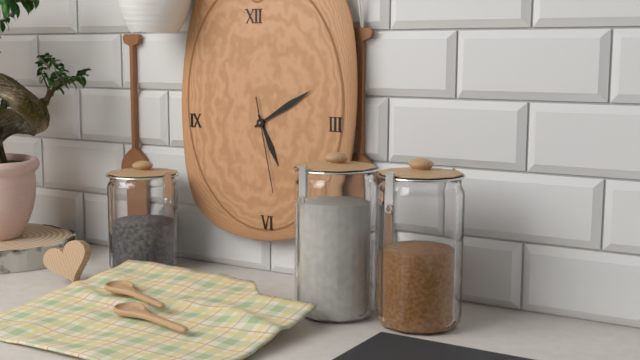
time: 5:10:28
